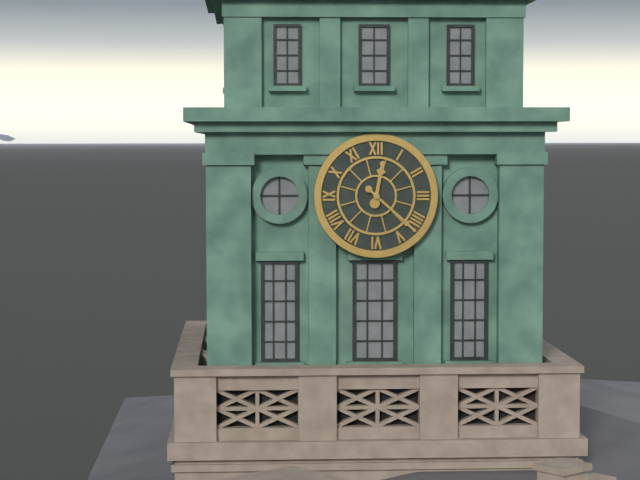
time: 12:22
